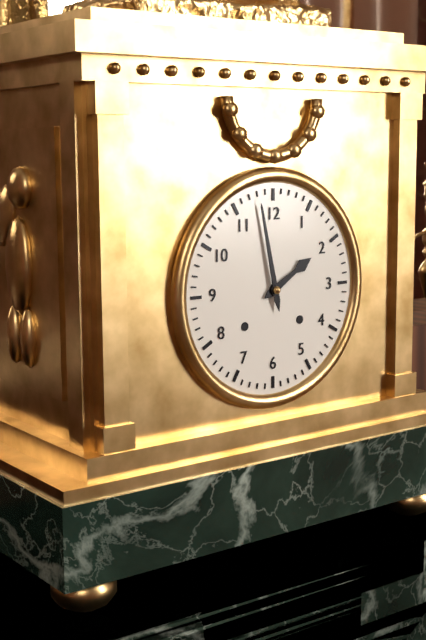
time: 1:58
